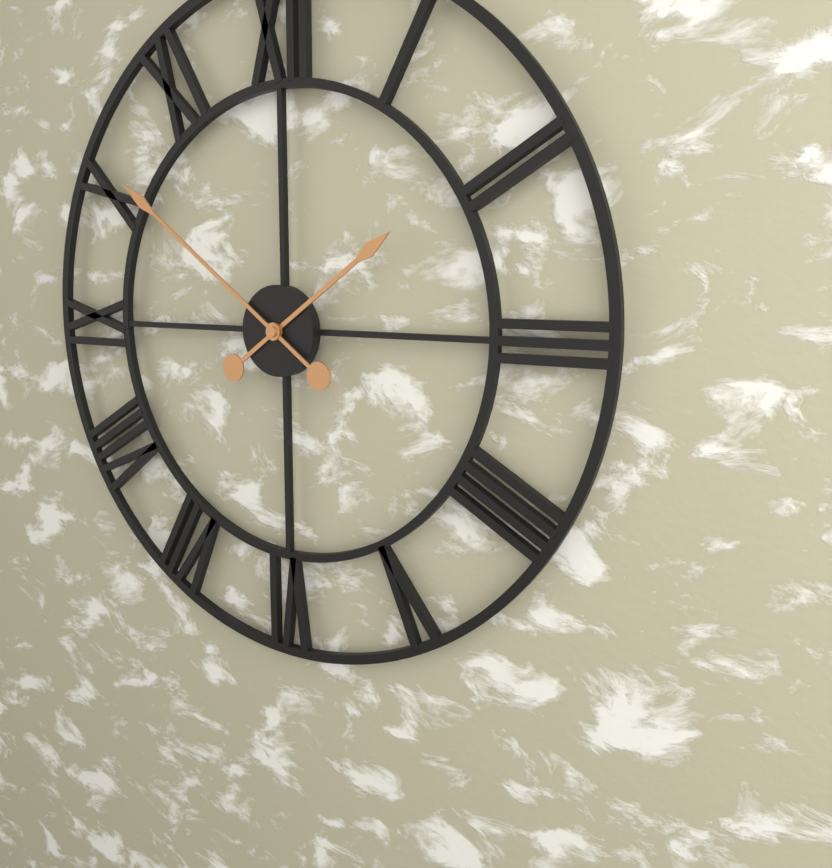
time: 1:51
